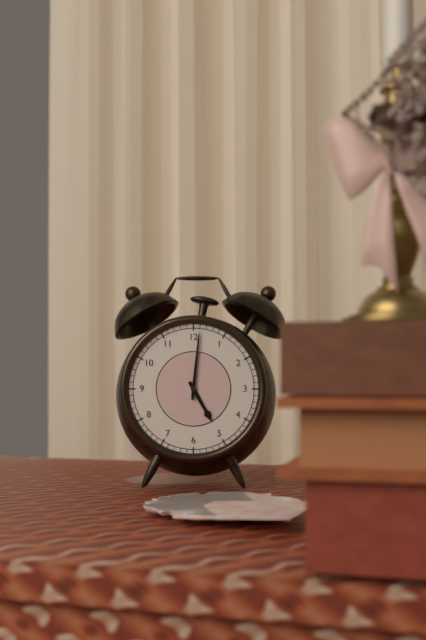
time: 5:01
